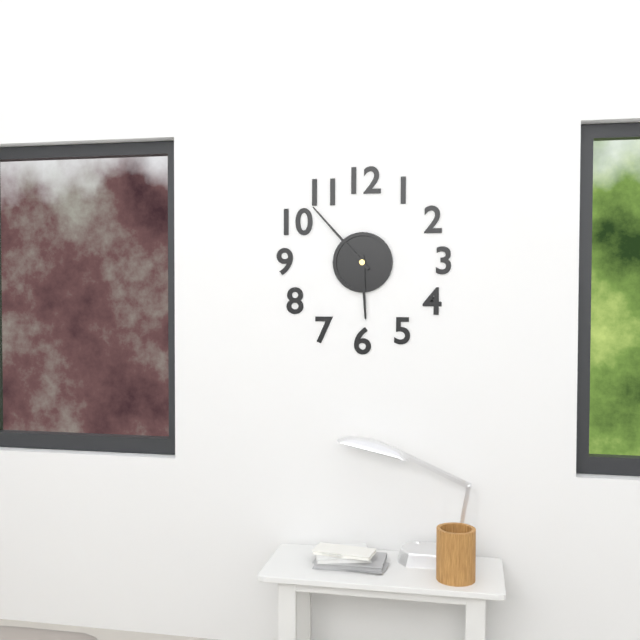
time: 5:53
